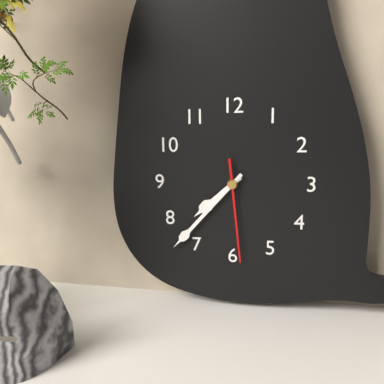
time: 7:37:29
